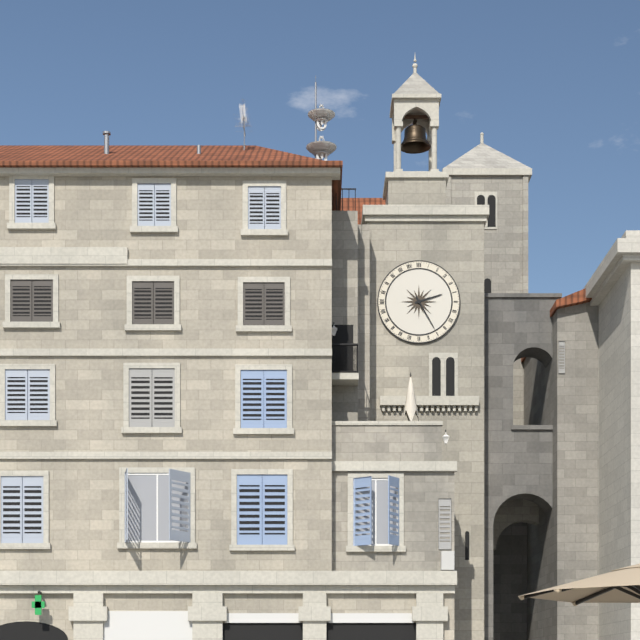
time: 2:25
